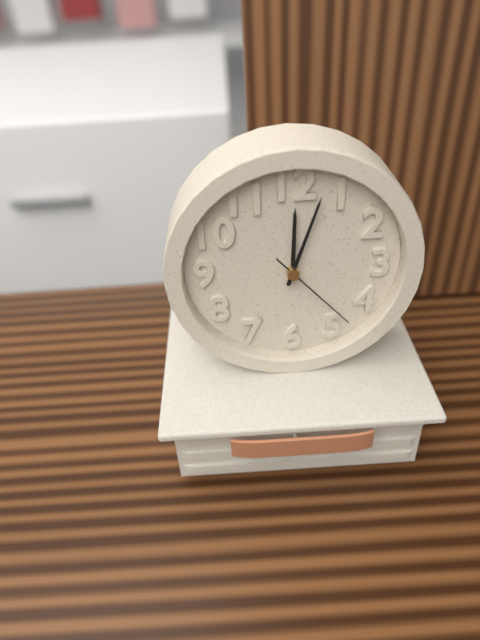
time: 12:03:23
